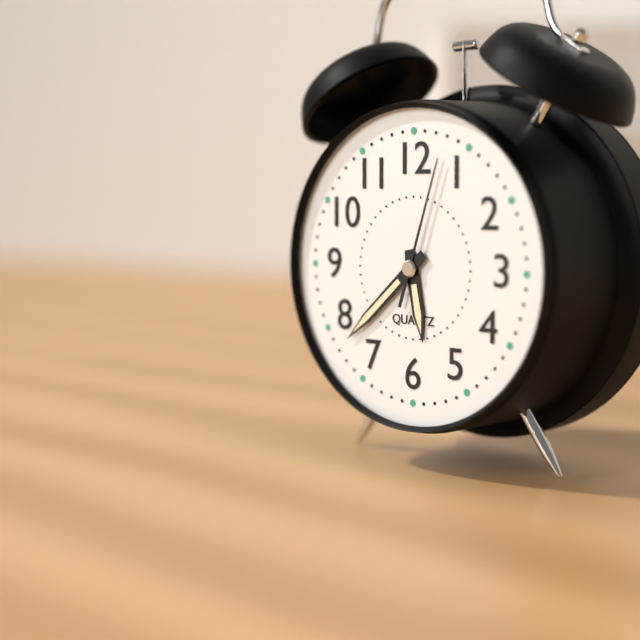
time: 5:38:03
